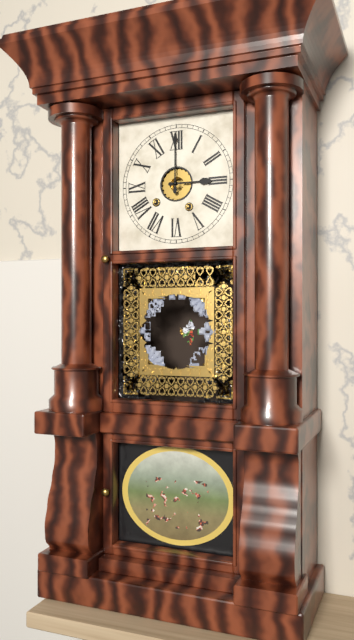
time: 3:00
